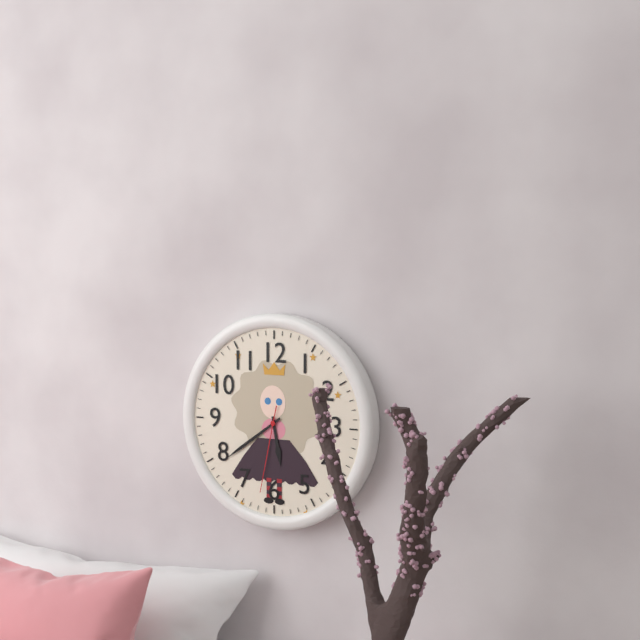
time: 5:39:32
